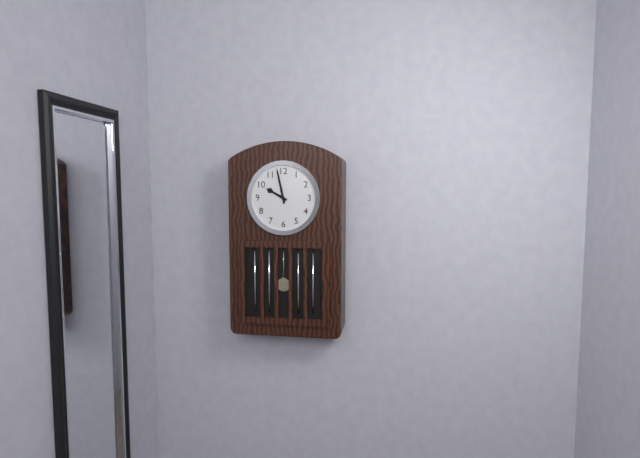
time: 9:58
